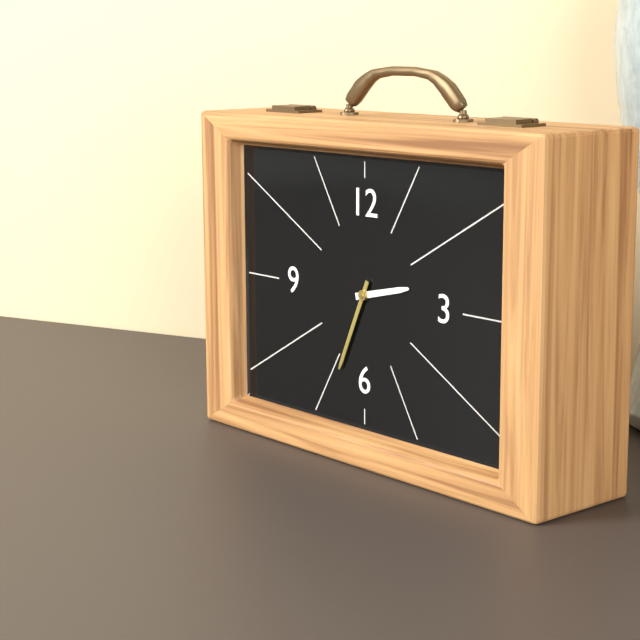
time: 2:34
